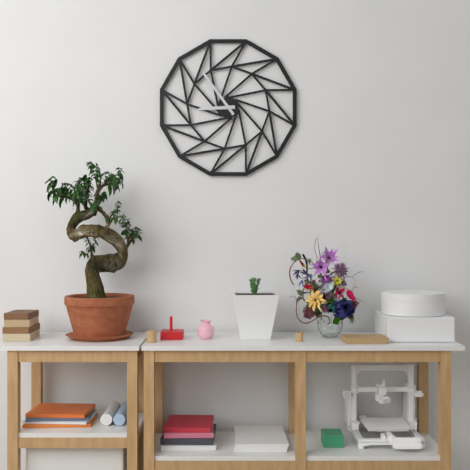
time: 8:54
